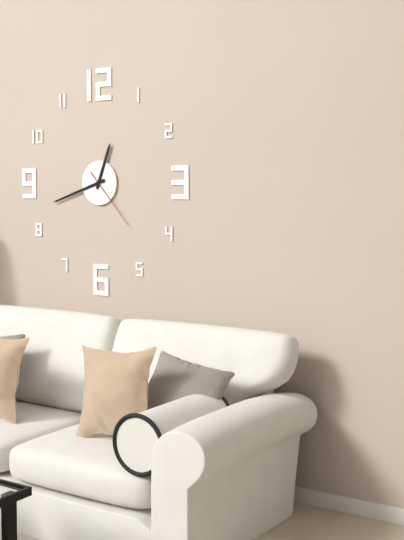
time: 12:42:23
